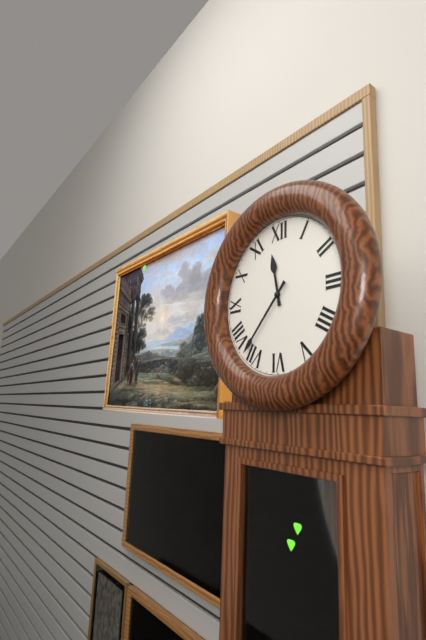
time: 11:37
